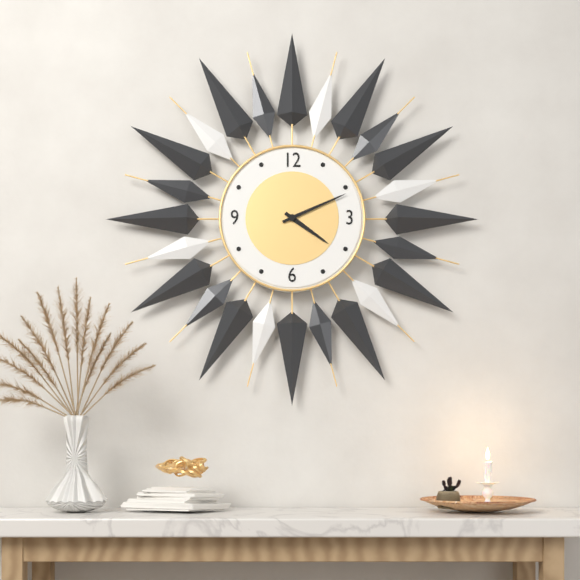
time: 4:11
